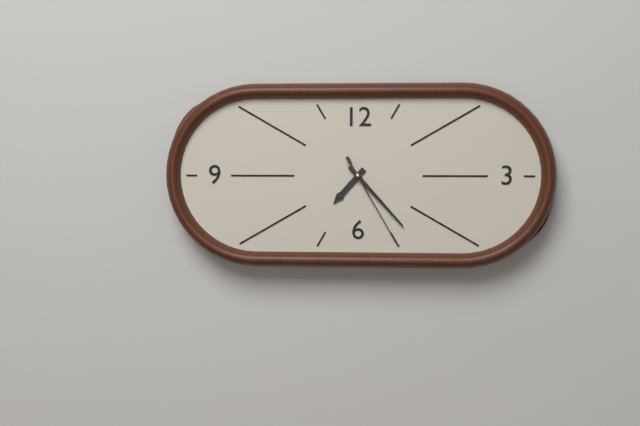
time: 7:23:25
